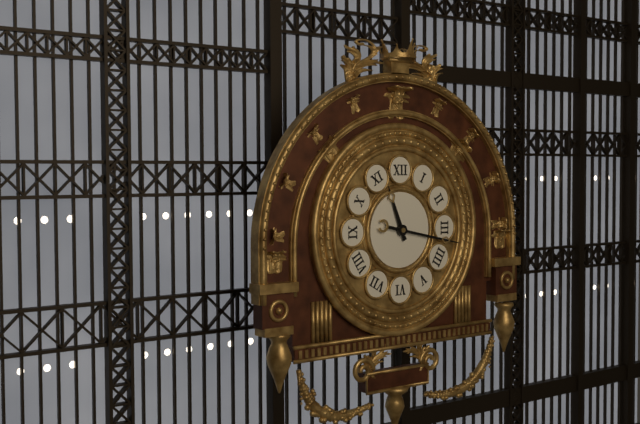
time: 11:17
